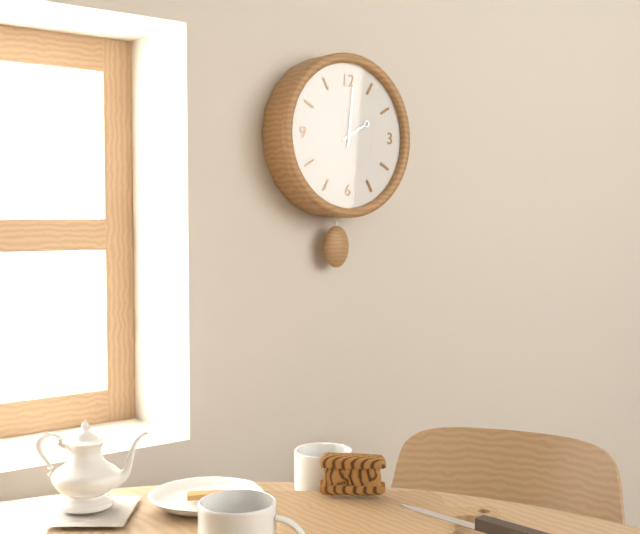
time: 2:01
